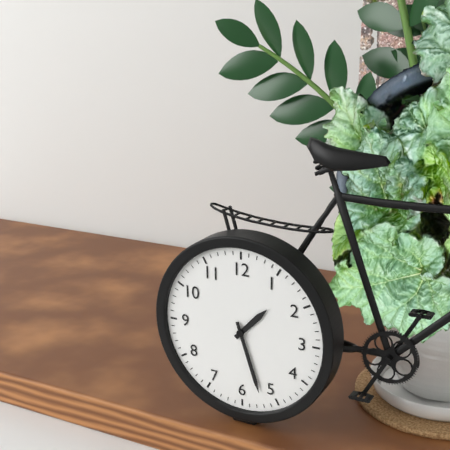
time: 1:27
